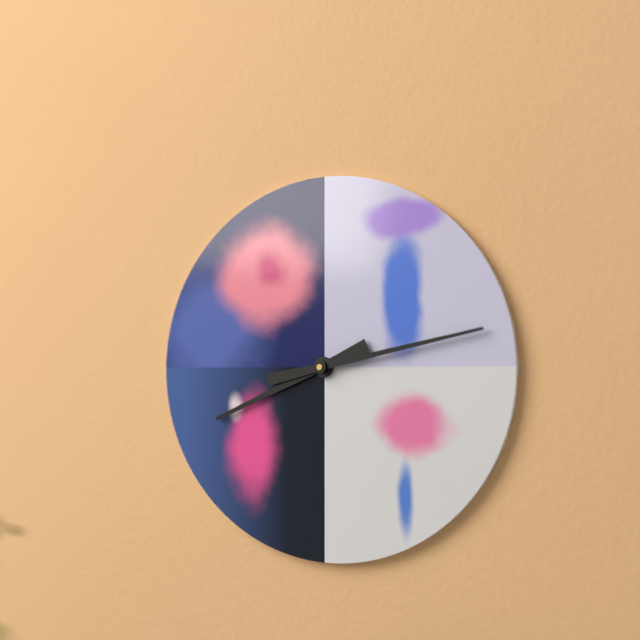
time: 8:13
